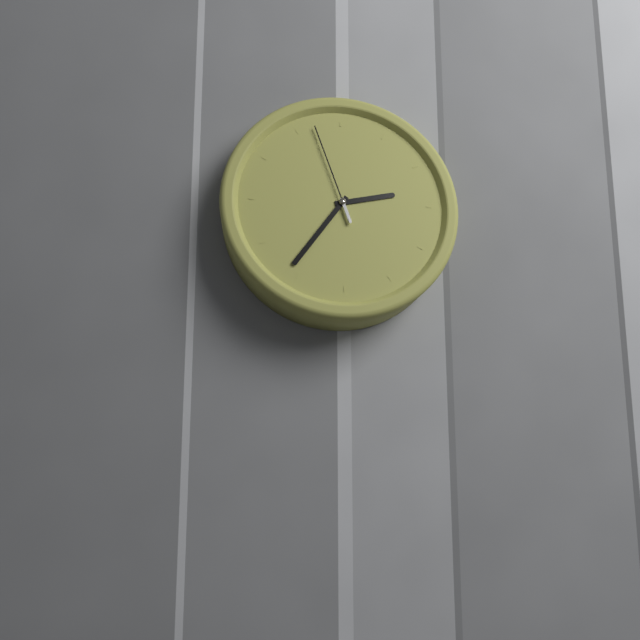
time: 2:36:57
